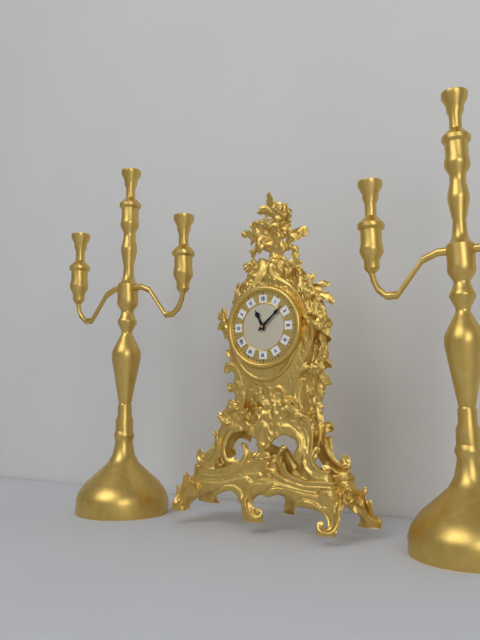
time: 11:08
